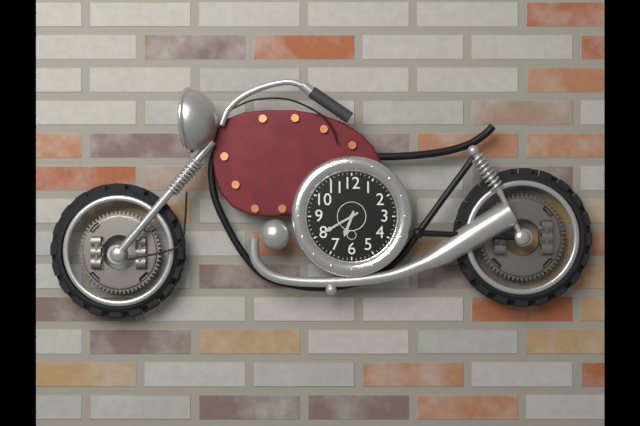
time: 6:40
